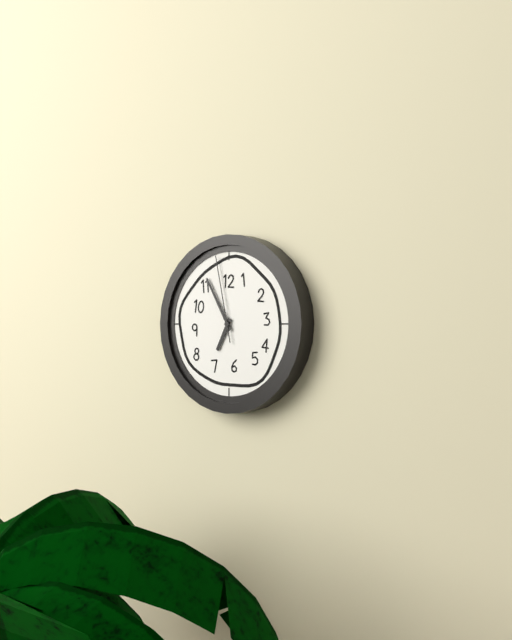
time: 6:55:58
